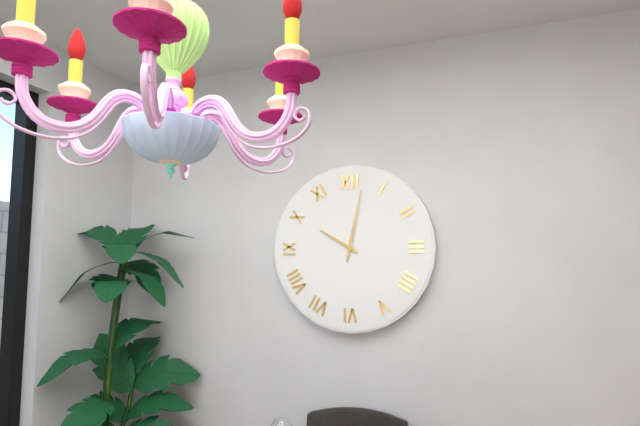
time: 10:02
